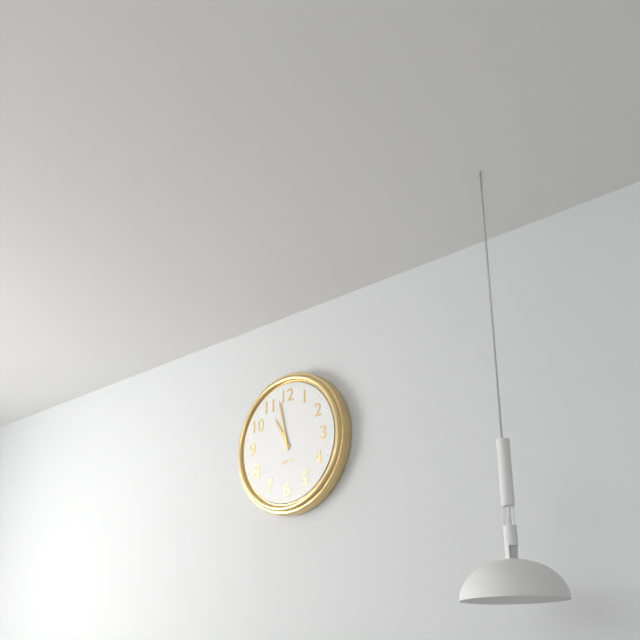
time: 10:58
